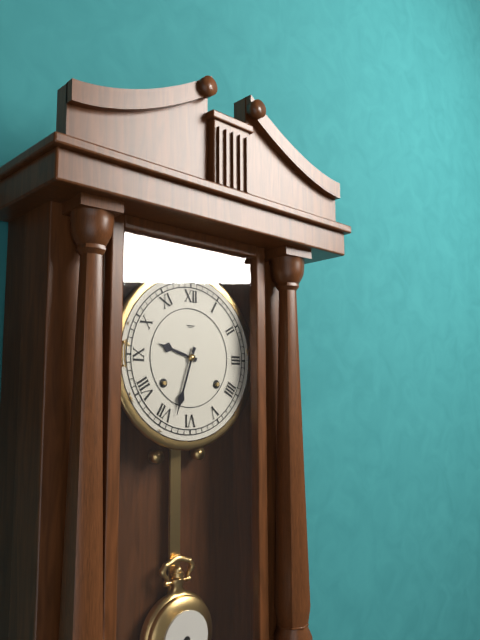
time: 9:33
